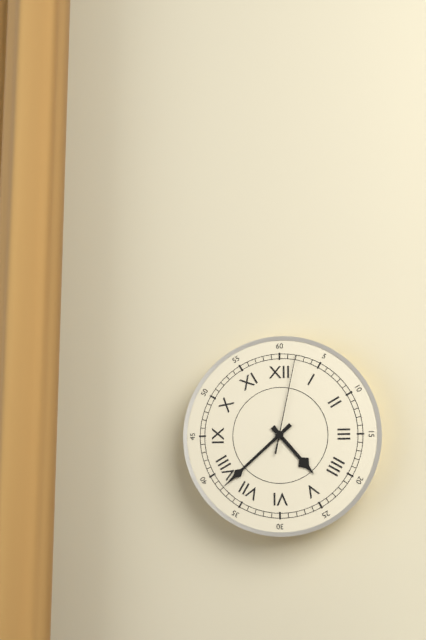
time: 4:38:02
